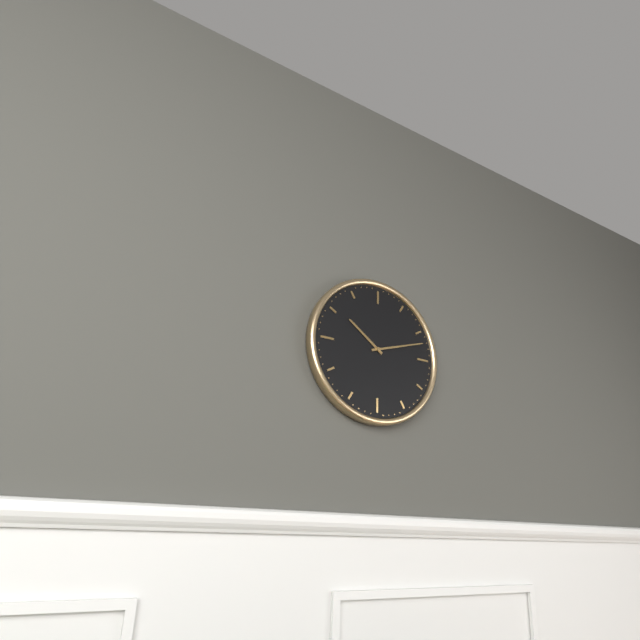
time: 10:12
